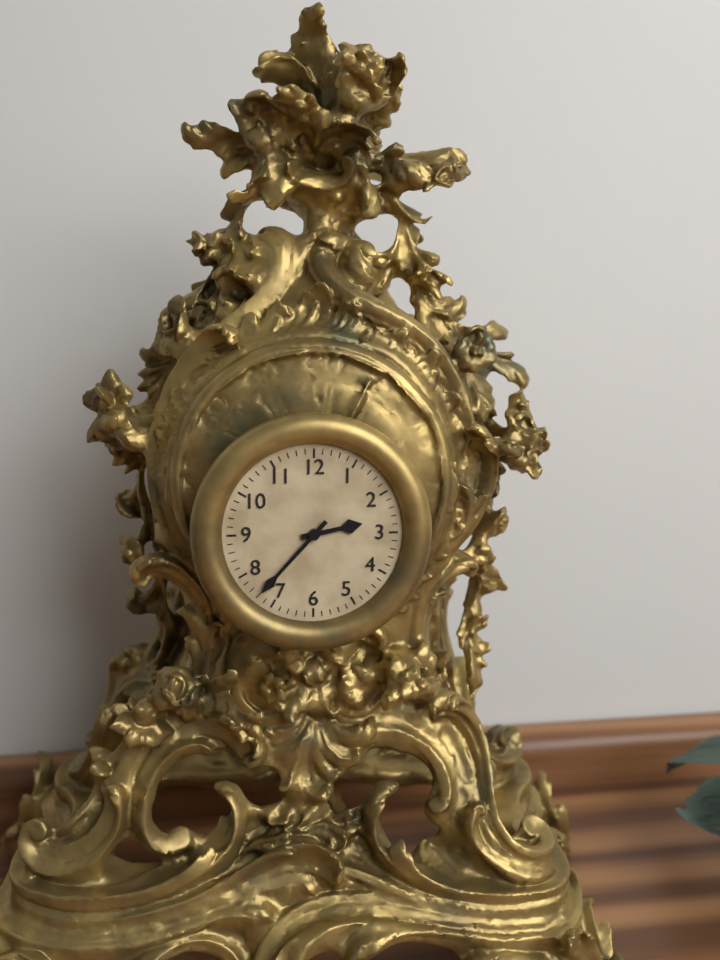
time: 2:37
